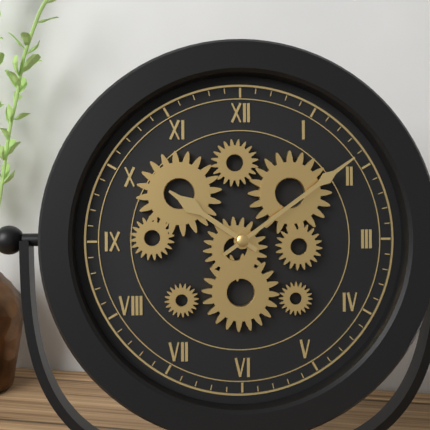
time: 10:09
